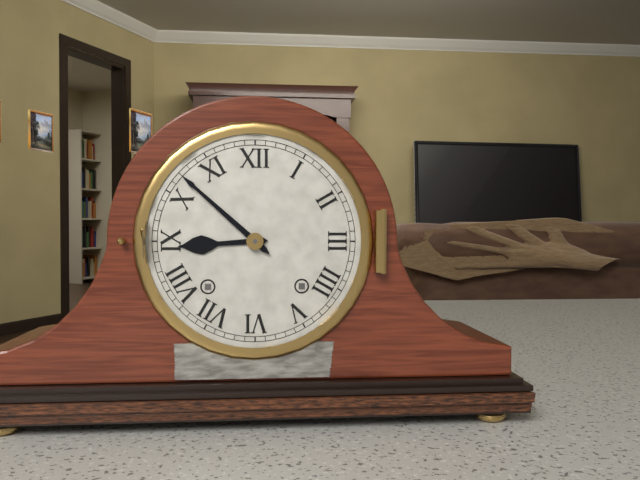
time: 8:52
